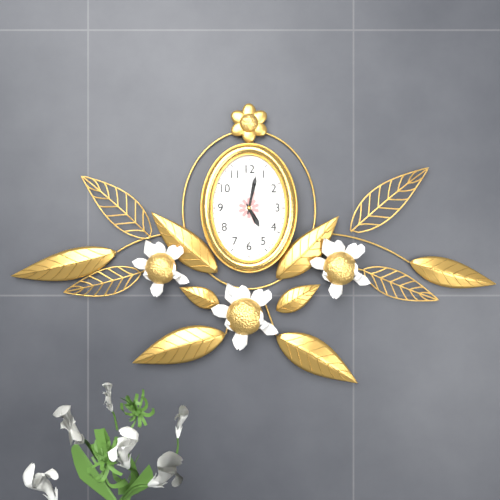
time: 5:02
